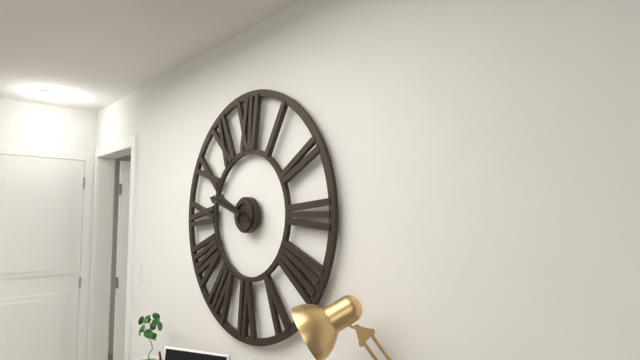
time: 9:48
